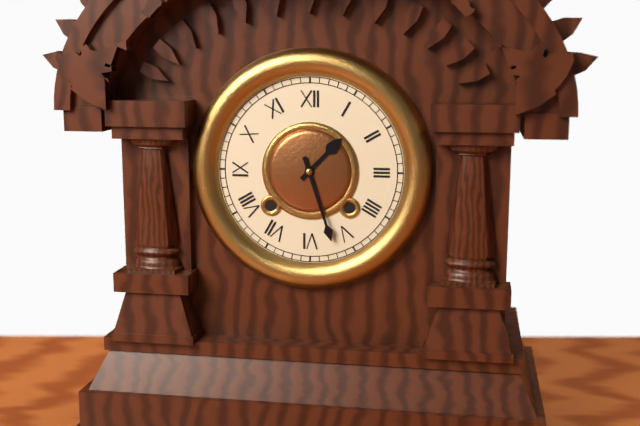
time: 1:27
